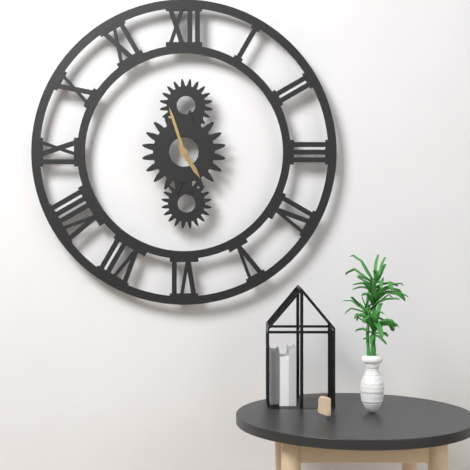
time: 4:57
